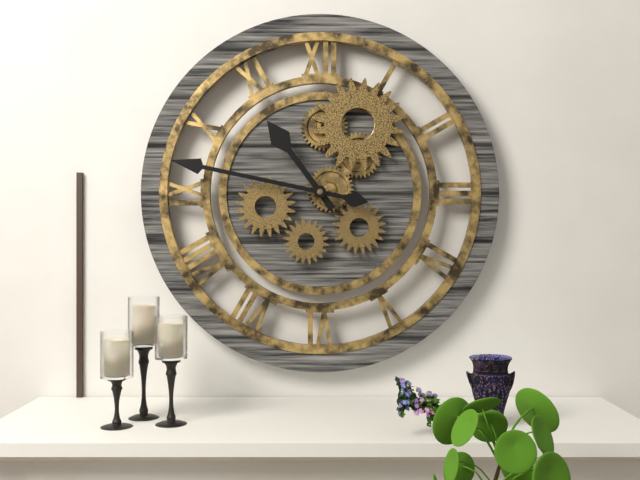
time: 10:47
